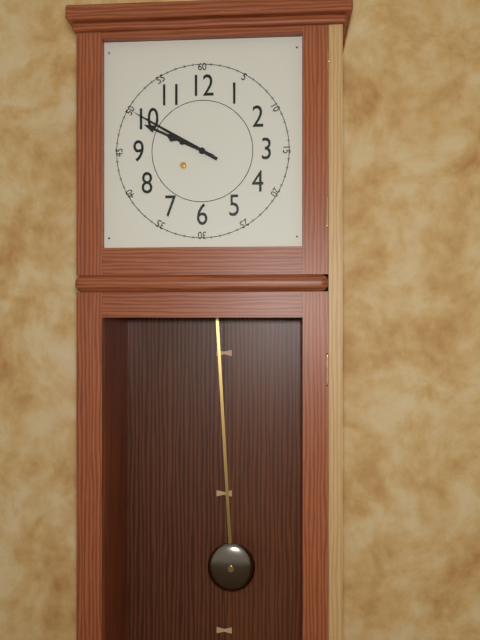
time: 9:50
